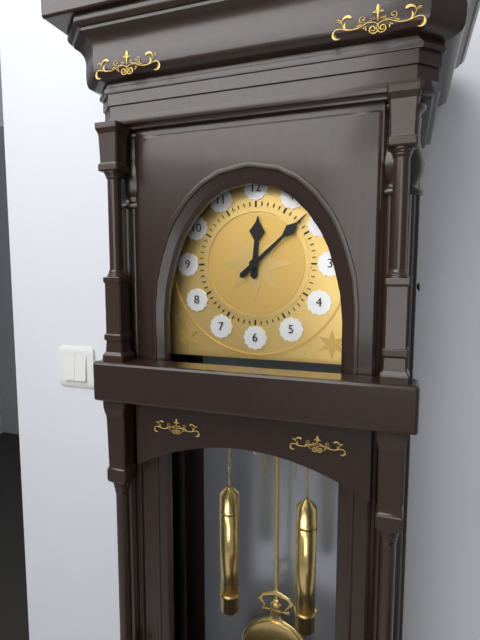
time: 12:08
